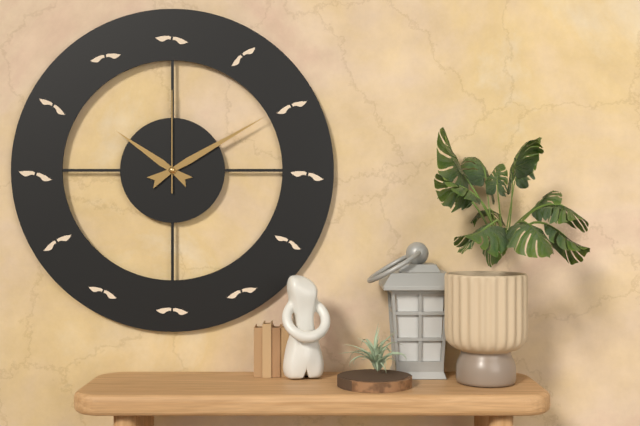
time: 10:10:00
